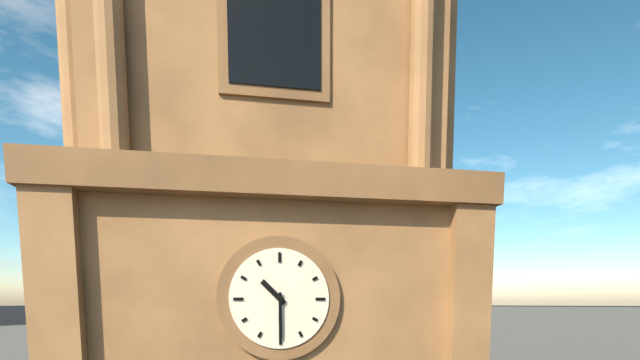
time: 10:30
